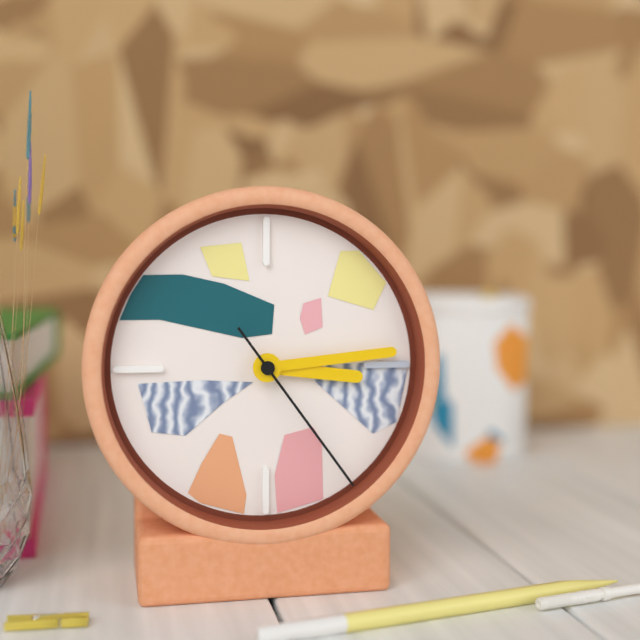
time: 3:14:24
